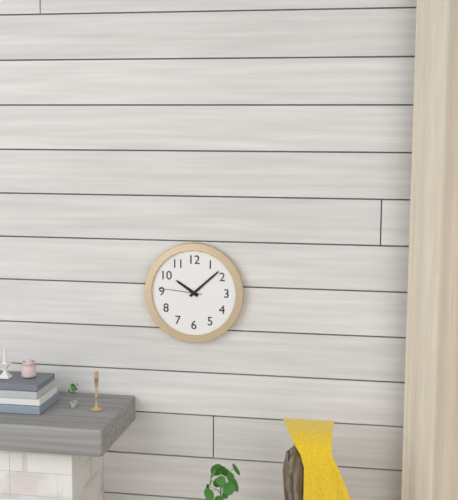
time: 10:08
